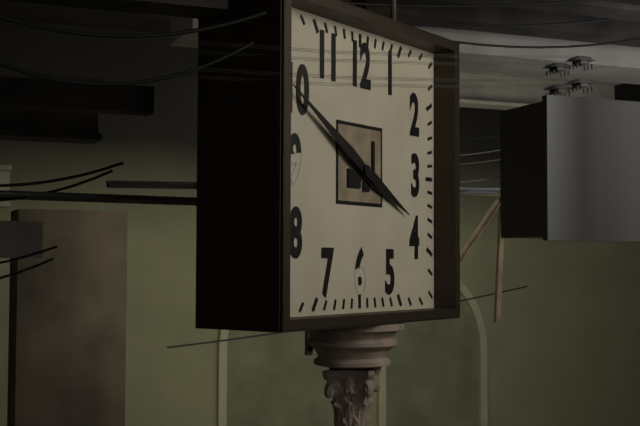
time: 3:50
